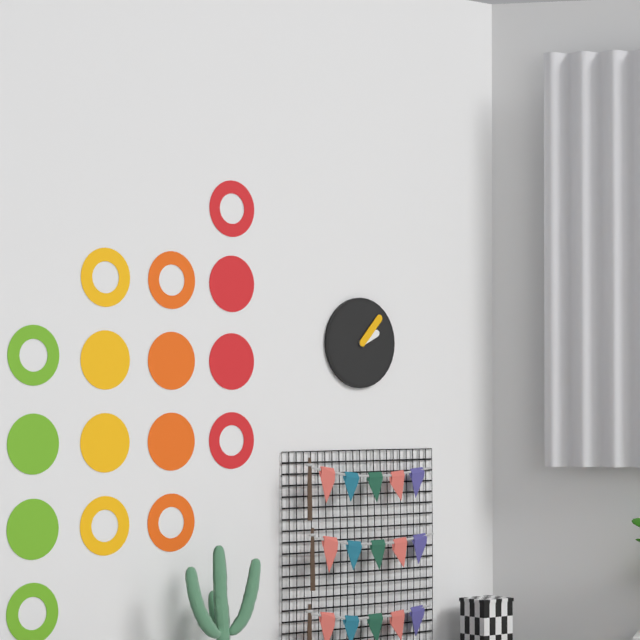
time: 2:07
